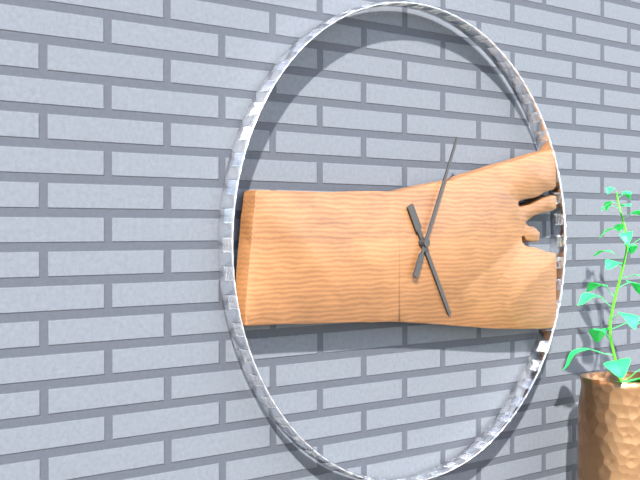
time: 5:04
